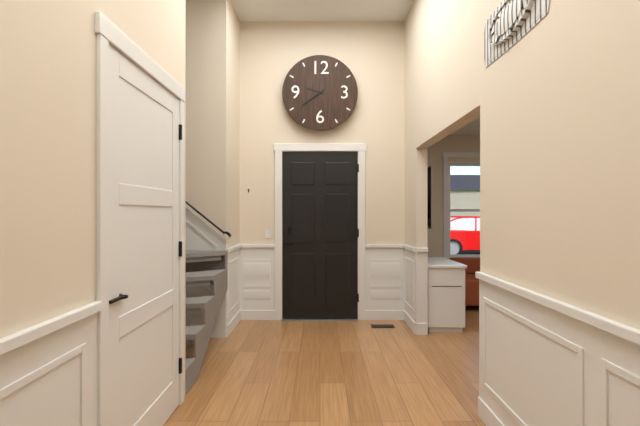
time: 9:39
